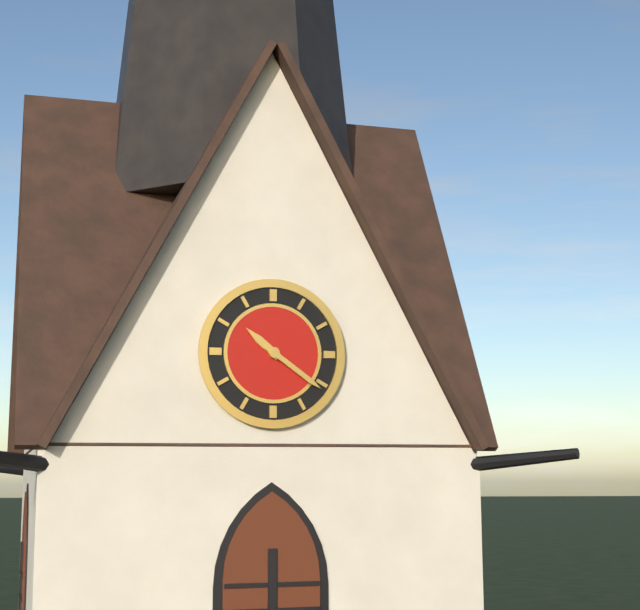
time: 10:21
